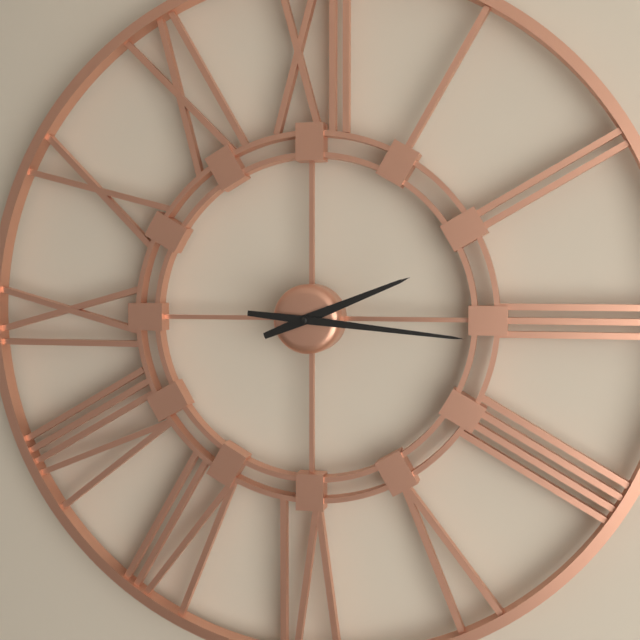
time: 2:16
